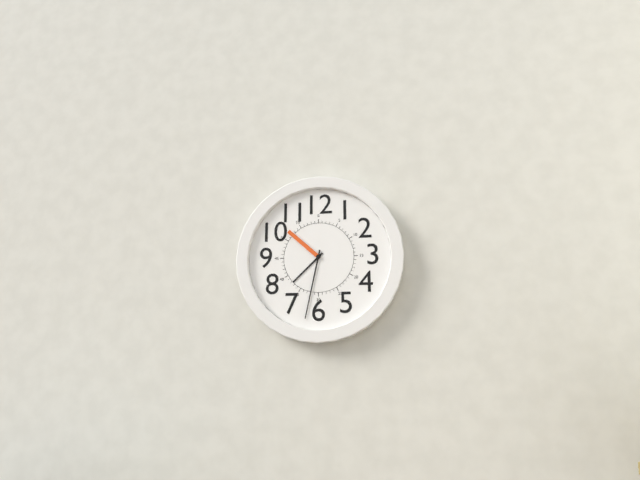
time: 7:32
